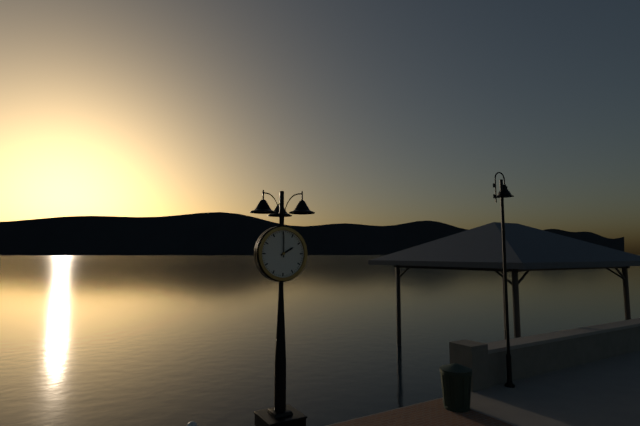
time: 2:00
